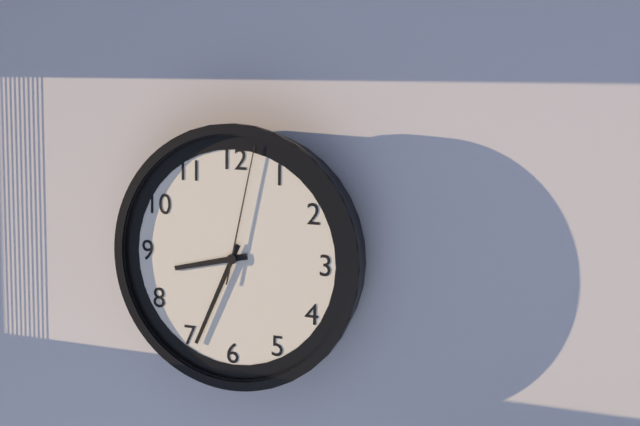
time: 8:34:02
